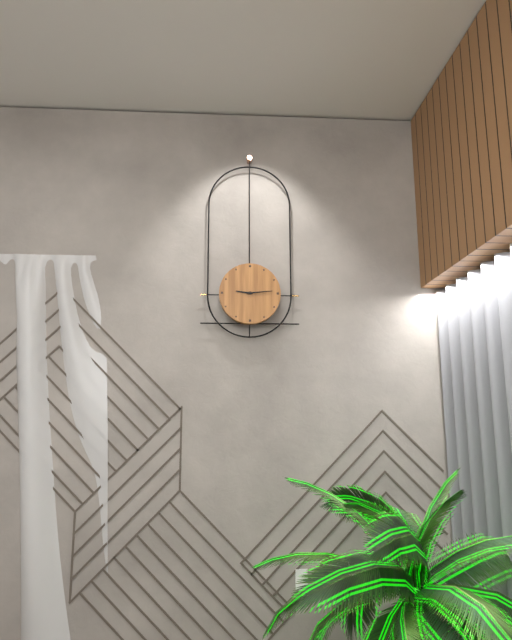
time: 9:14
